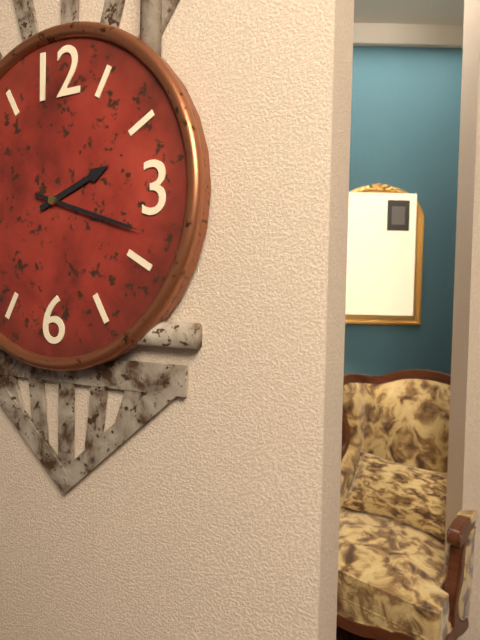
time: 2:18
